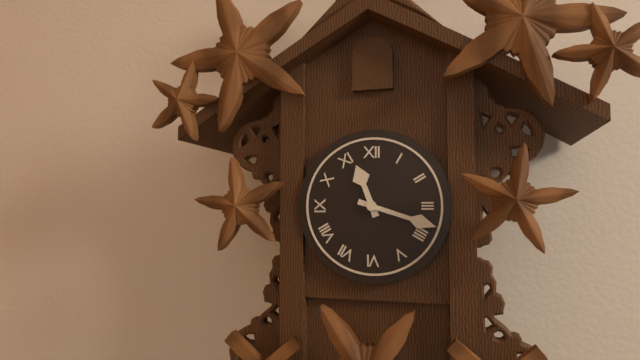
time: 11:18
